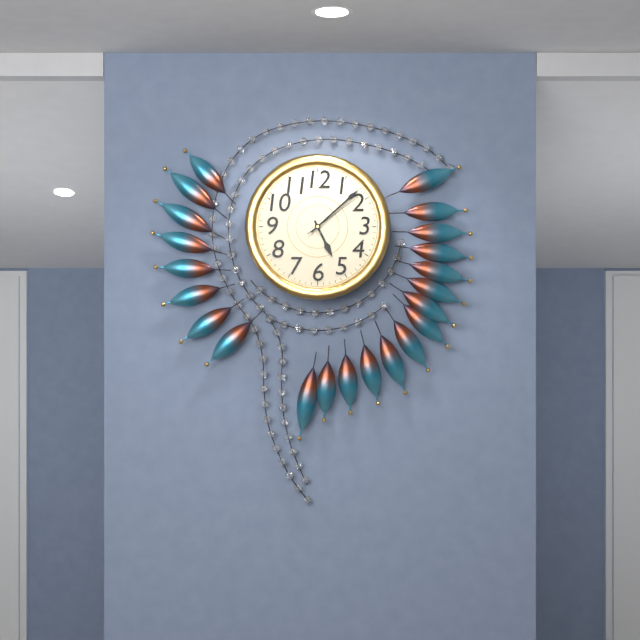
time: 5:08:09
